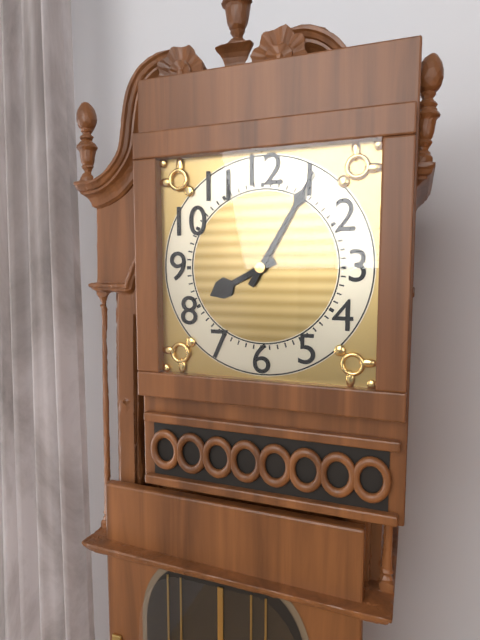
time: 8:05
